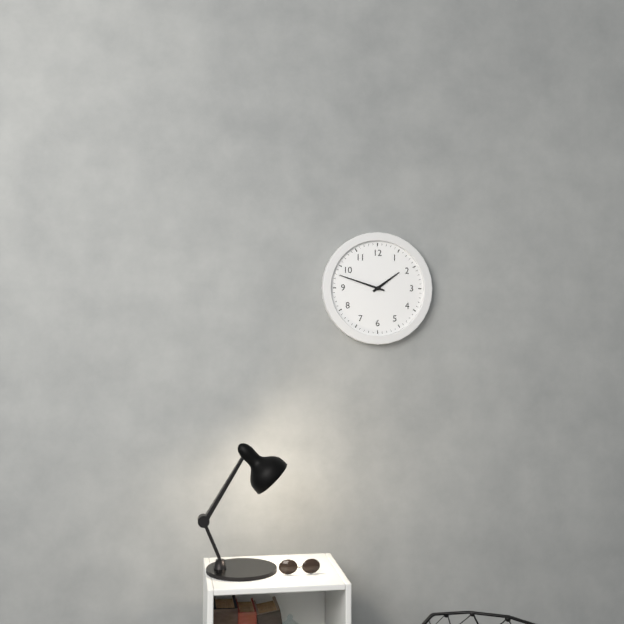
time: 1:48
